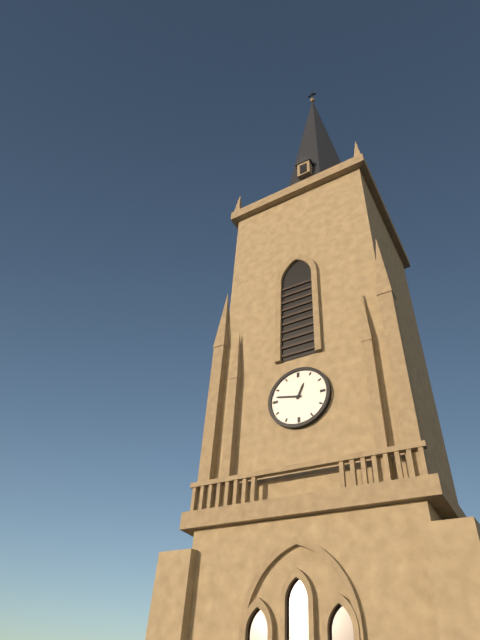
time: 12:47
